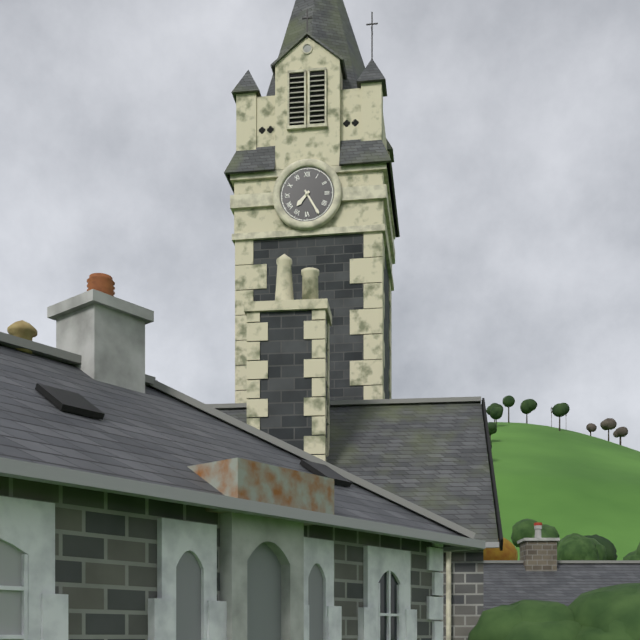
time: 7:25
